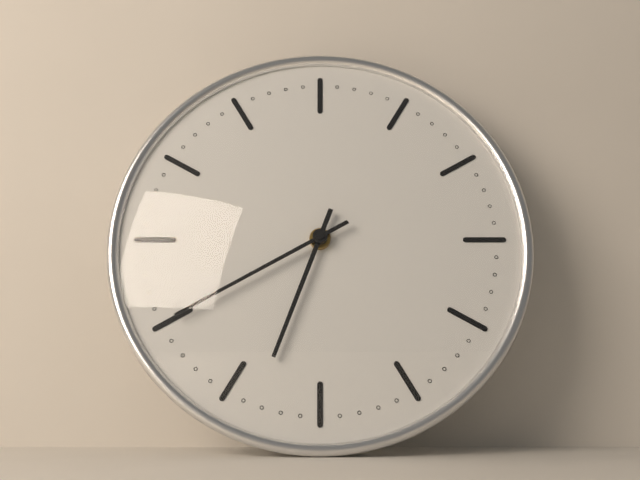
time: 6:40
